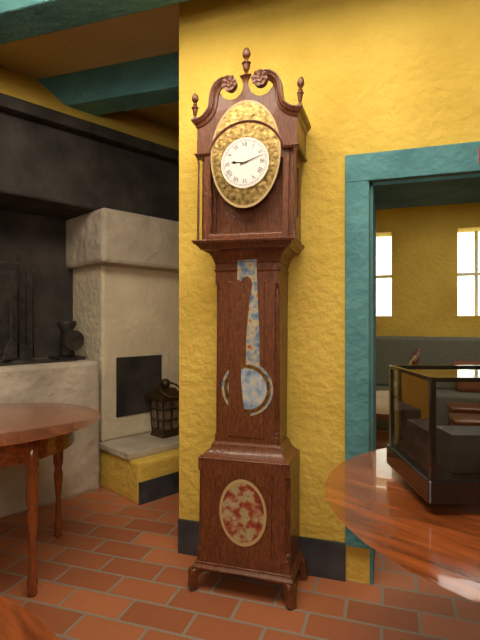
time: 9:12
